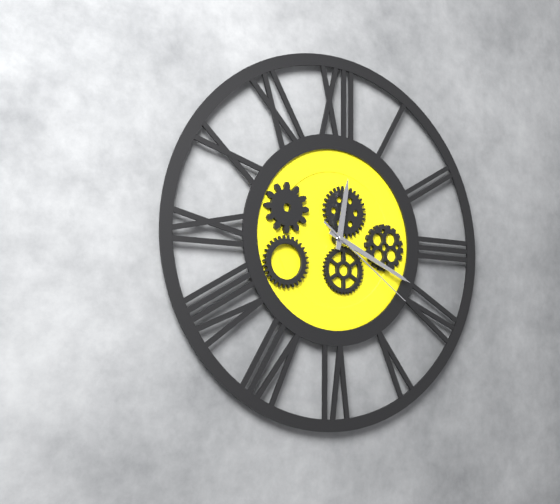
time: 12:19:21
